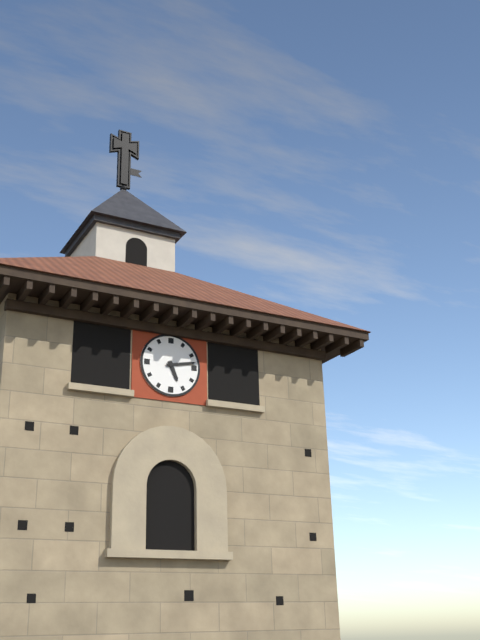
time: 5:13
